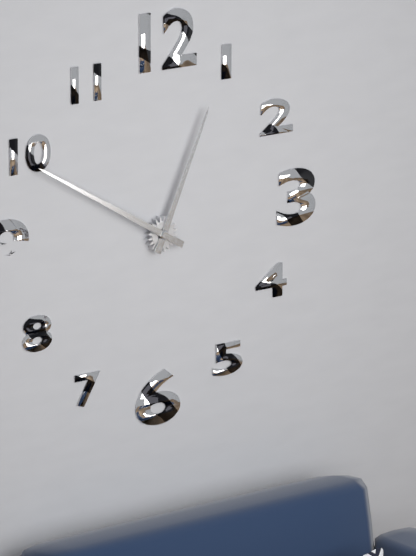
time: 12:50
